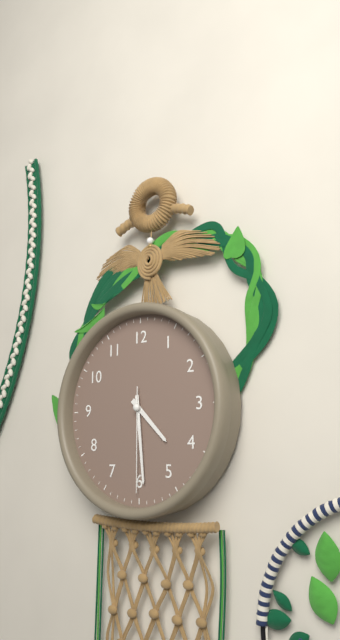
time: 4:29:30
